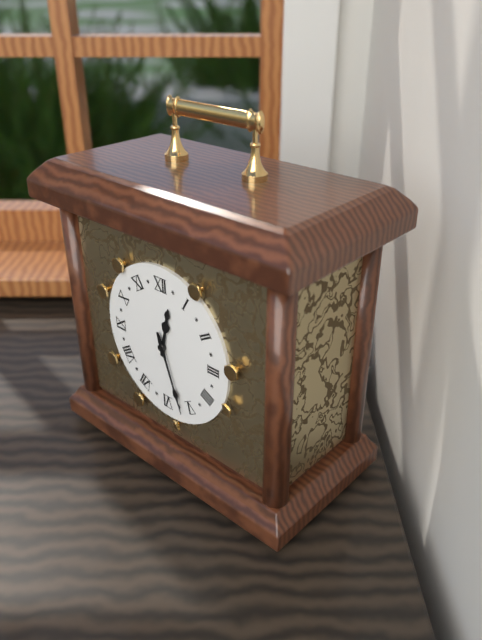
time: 12:27
